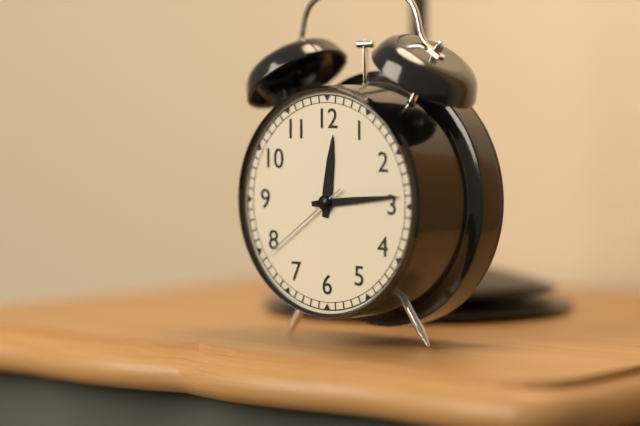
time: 12:14:39
